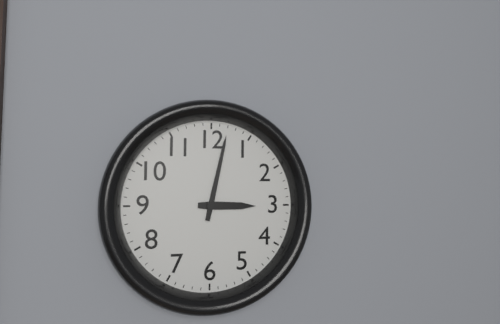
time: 3:02
